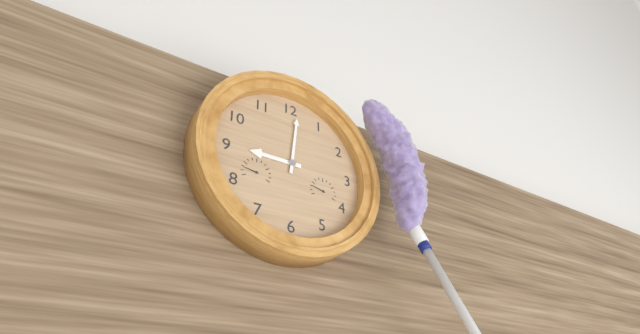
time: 9:01
